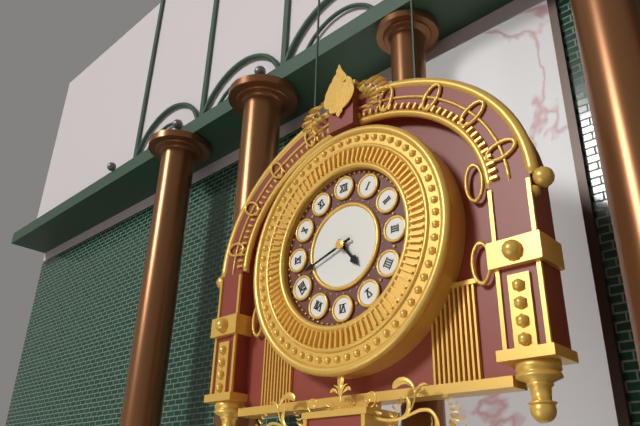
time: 4:42
